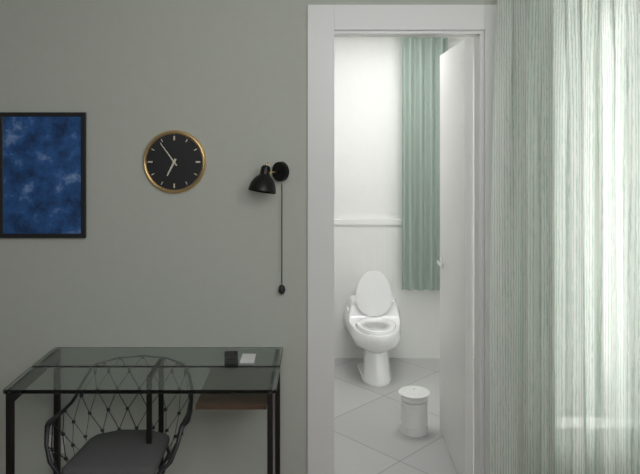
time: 6:54
